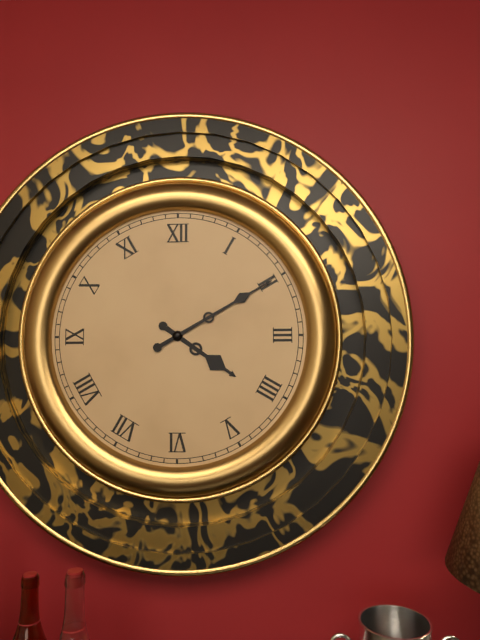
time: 4:10
